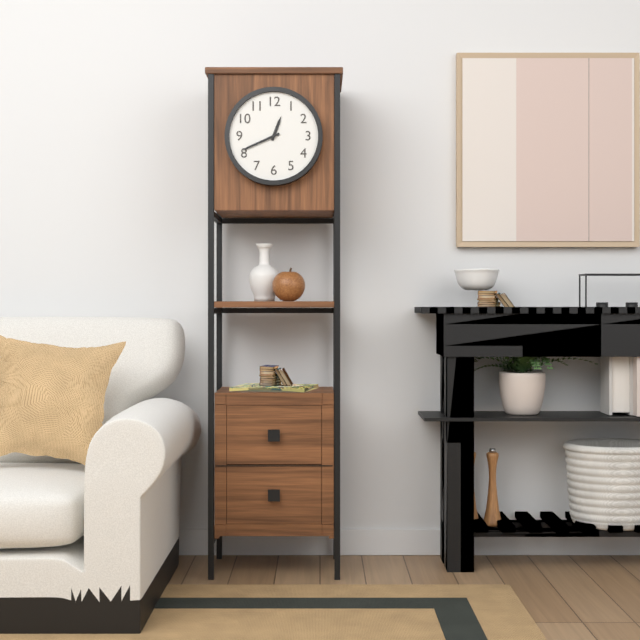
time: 12:41
